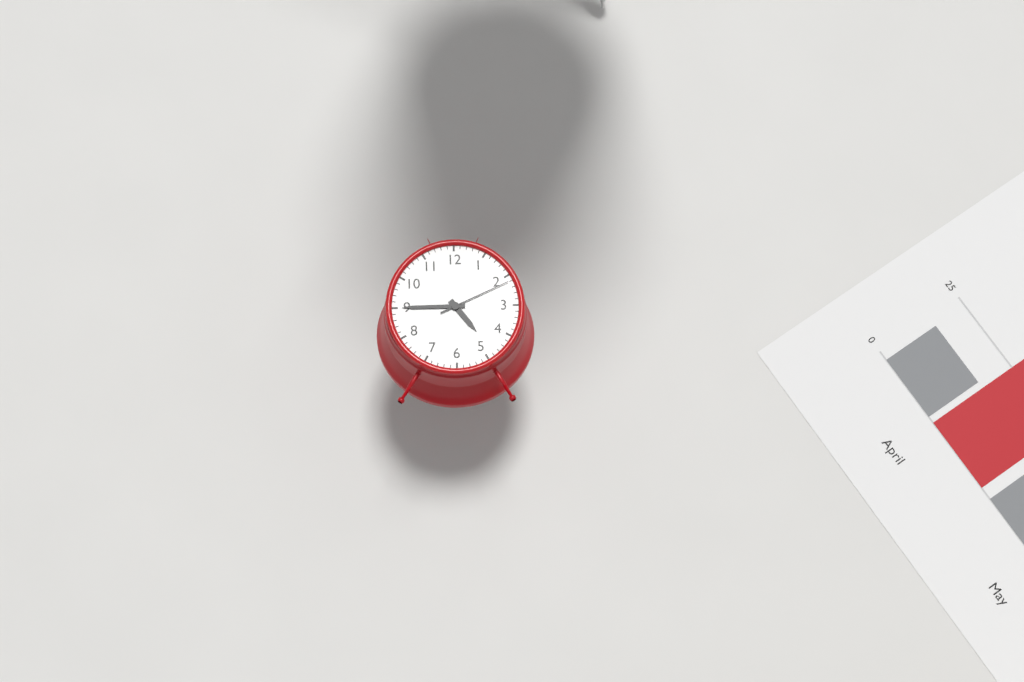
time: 4:45:11
